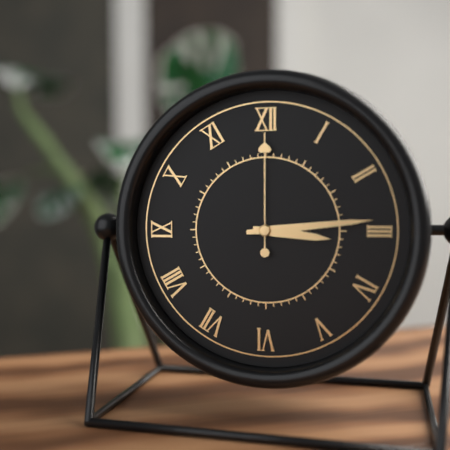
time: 3:14:00
